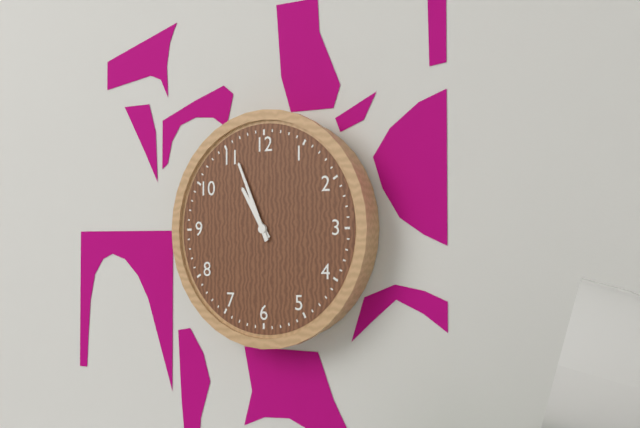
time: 10:56
